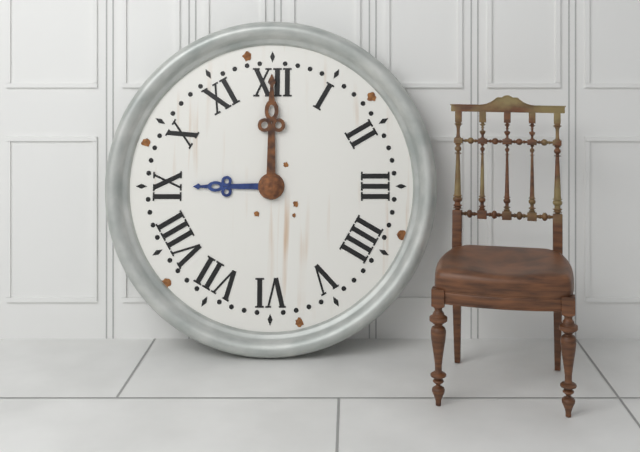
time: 9:00
